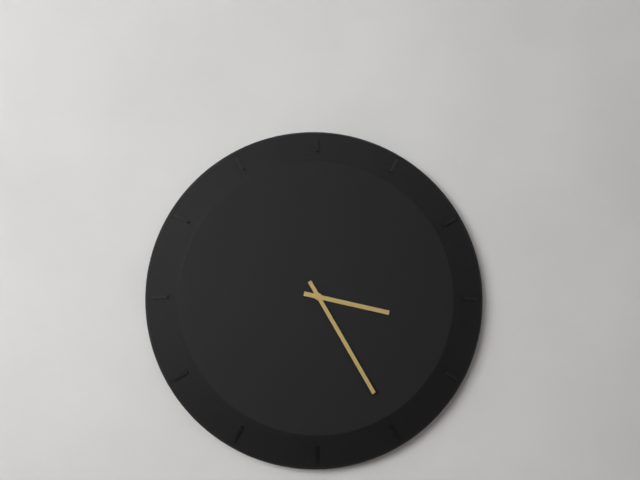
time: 3:25
